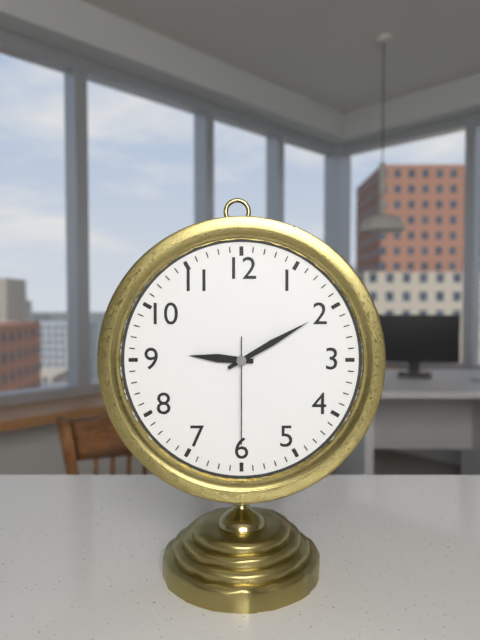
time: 9:10:30
